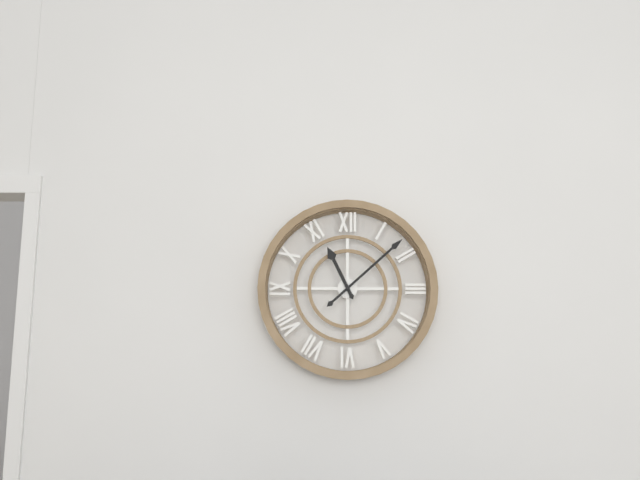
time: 11:08
